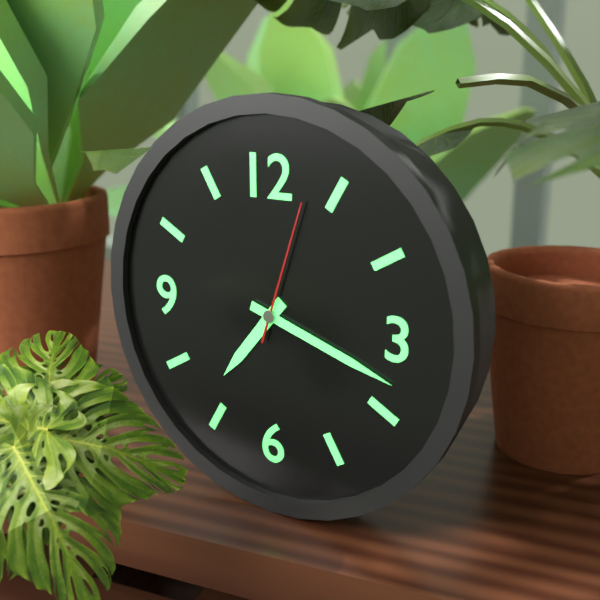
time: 7:18:03
